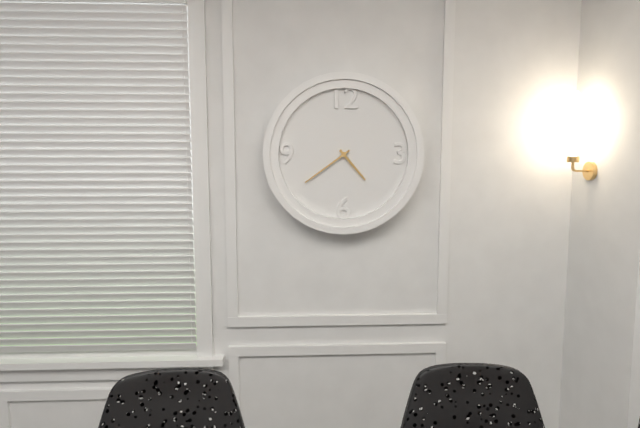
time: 4:39
